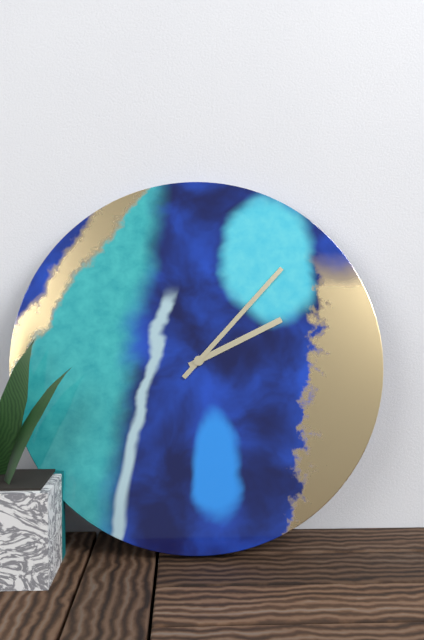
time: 2:07
